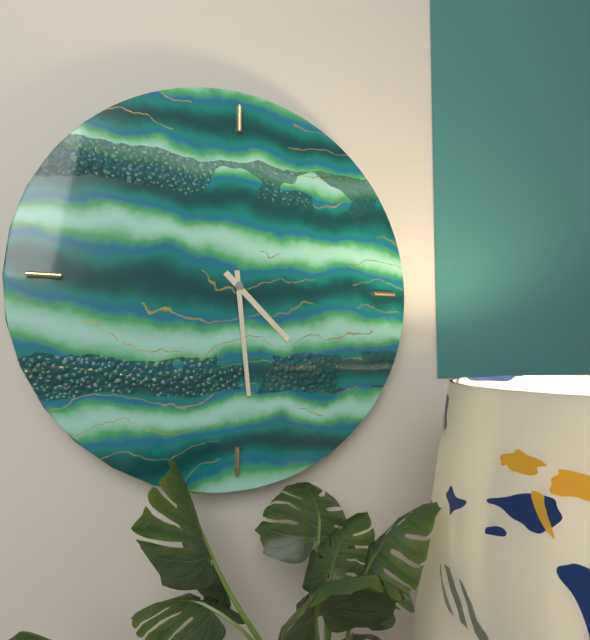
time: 4:29
